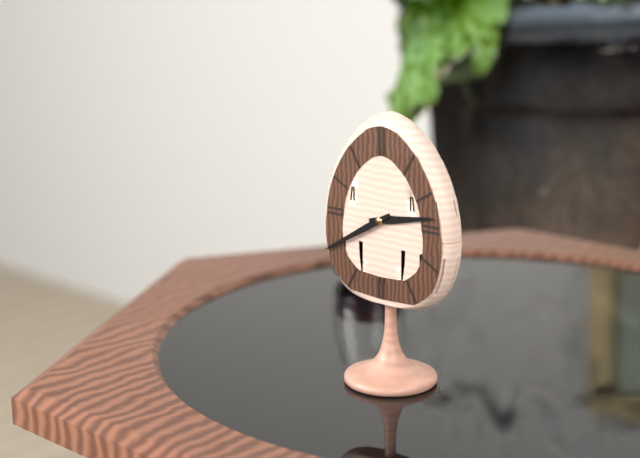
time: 2:40
